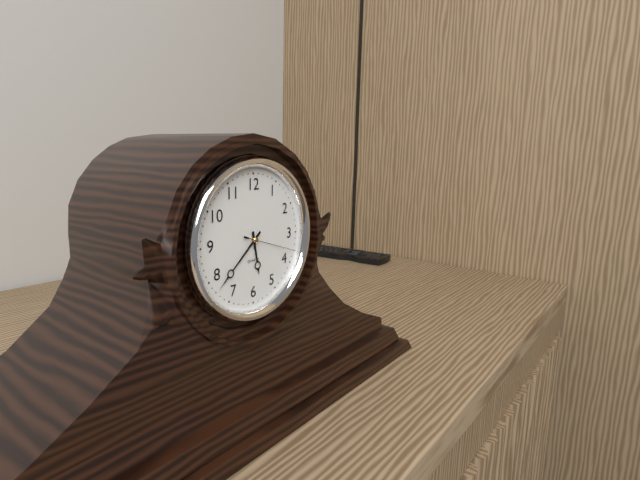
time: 5:38:18
